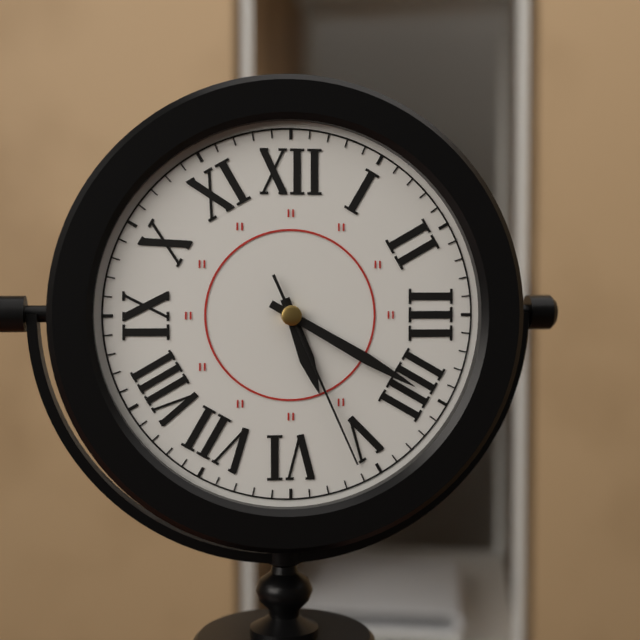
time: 5:20:26
